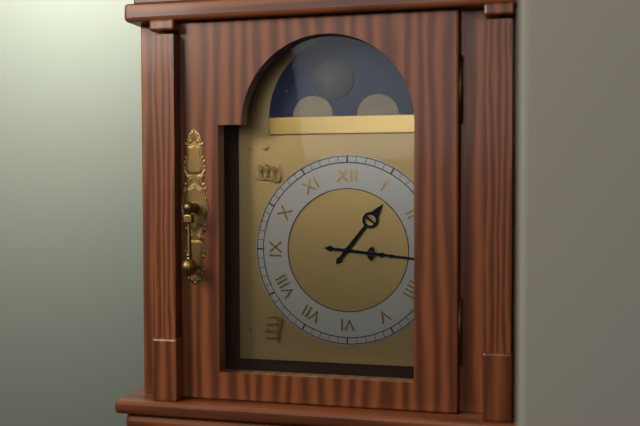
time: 1:16
